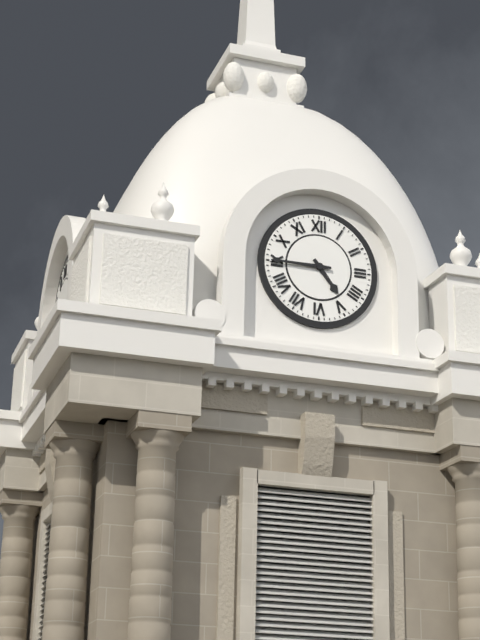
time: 4:45
